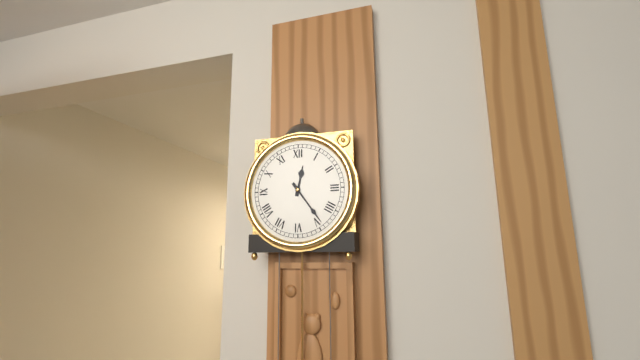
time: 12:24
